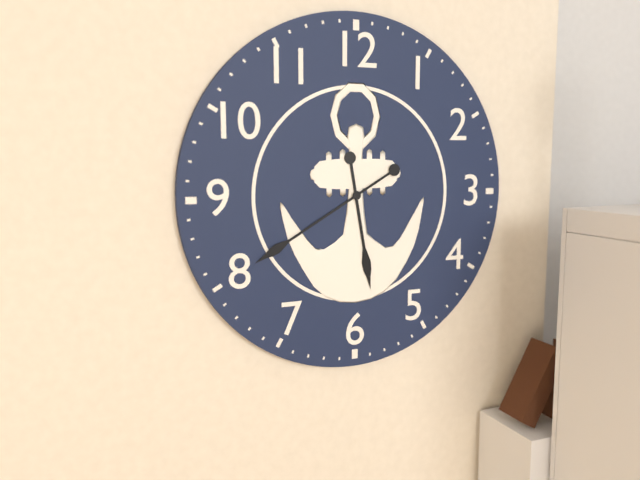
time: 5:40
